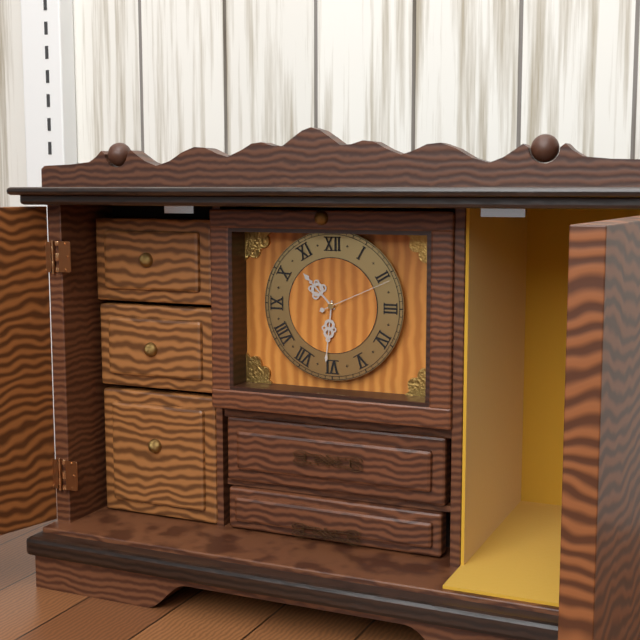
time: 10:31:11
